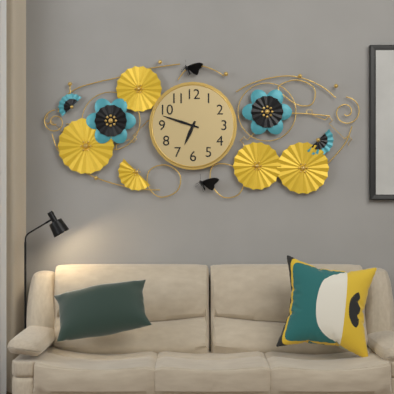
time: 6:48
